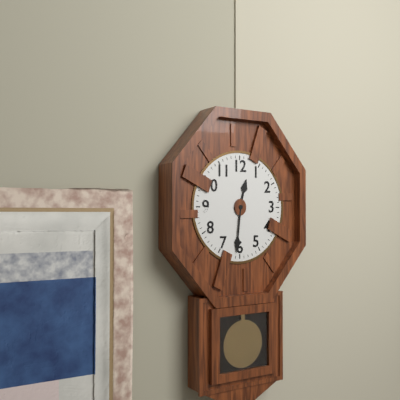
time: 12:31
